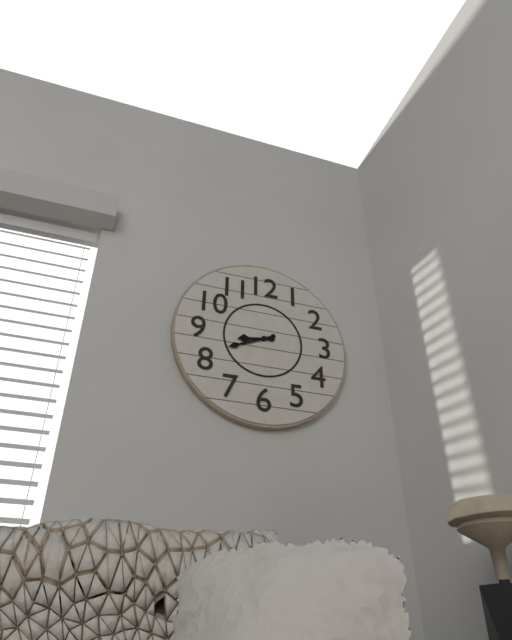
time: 8:41
